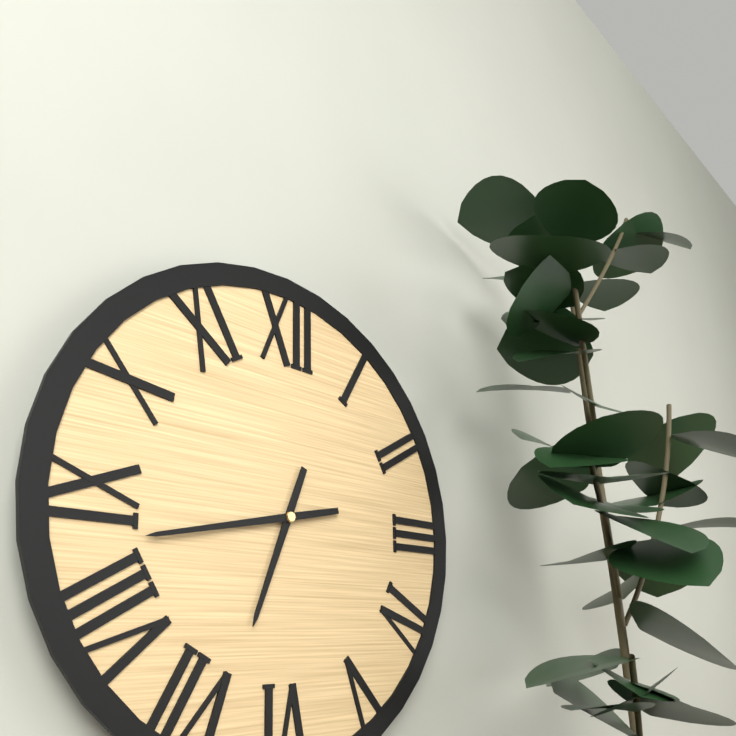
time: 6:43
